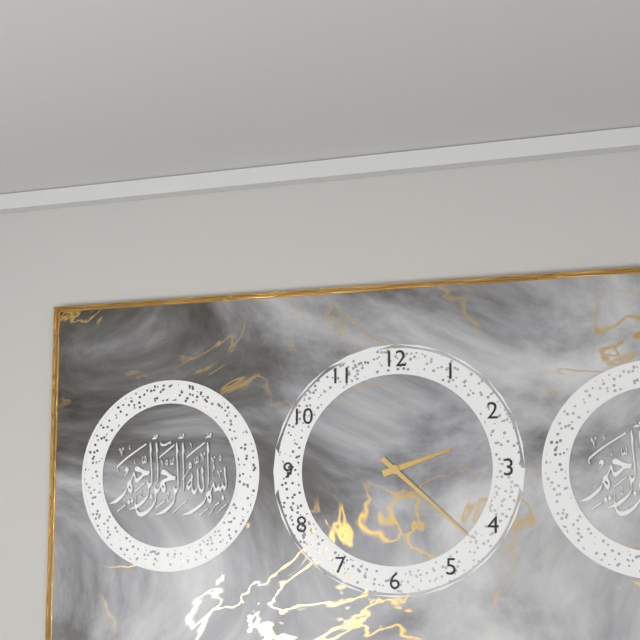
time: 2:22
